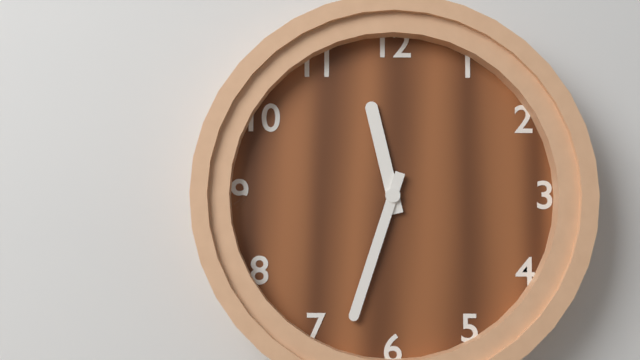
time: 11:33
